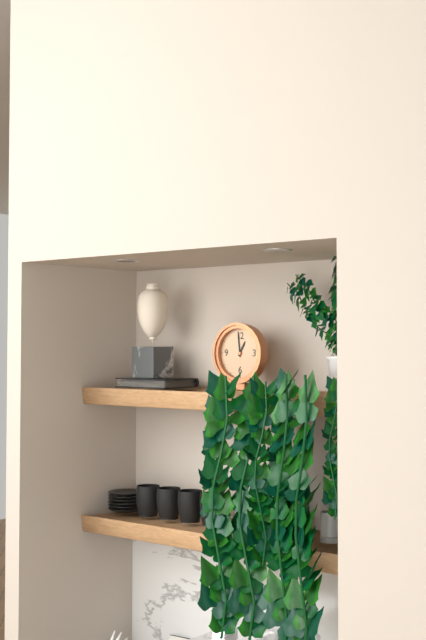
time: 12:59
